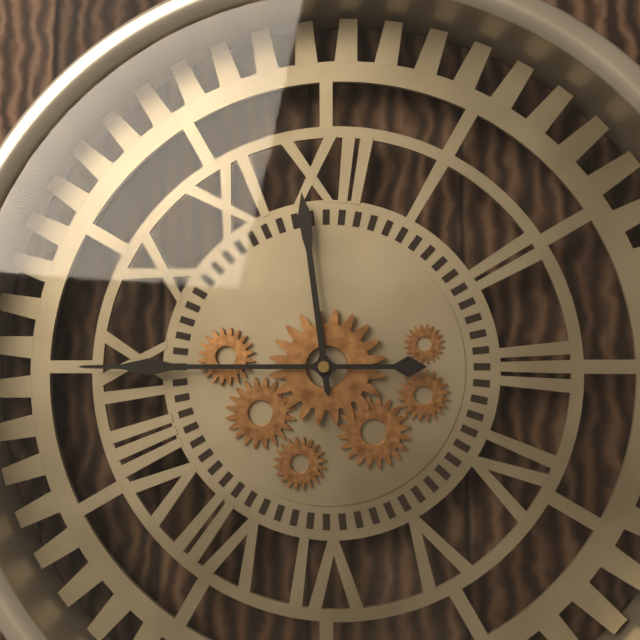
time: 11:45
